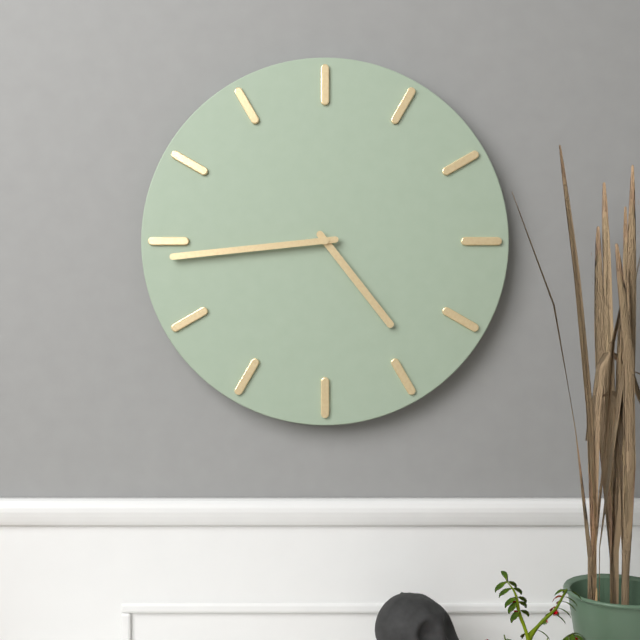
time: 4:44
